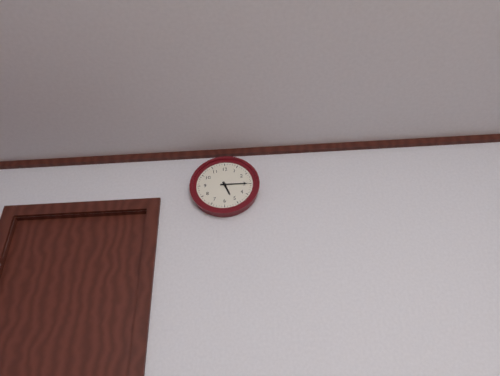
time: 5:15
